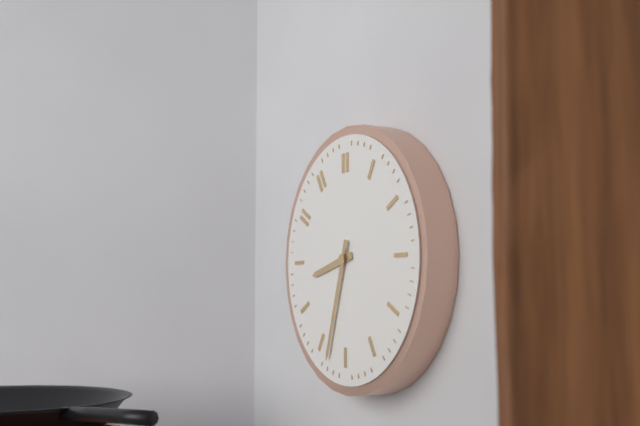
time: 8:33
